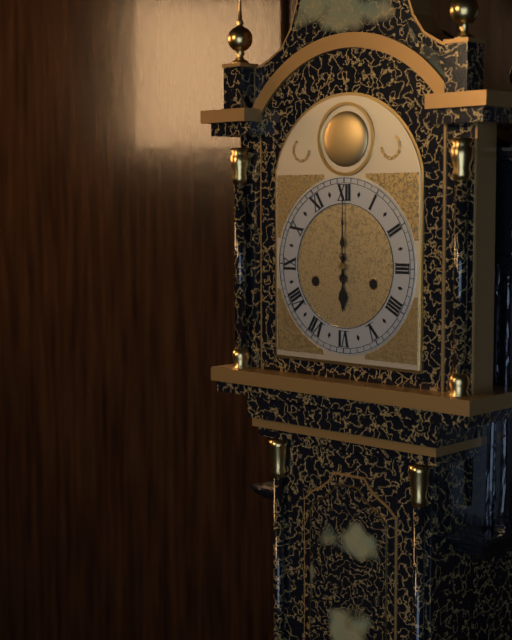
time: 6:00
